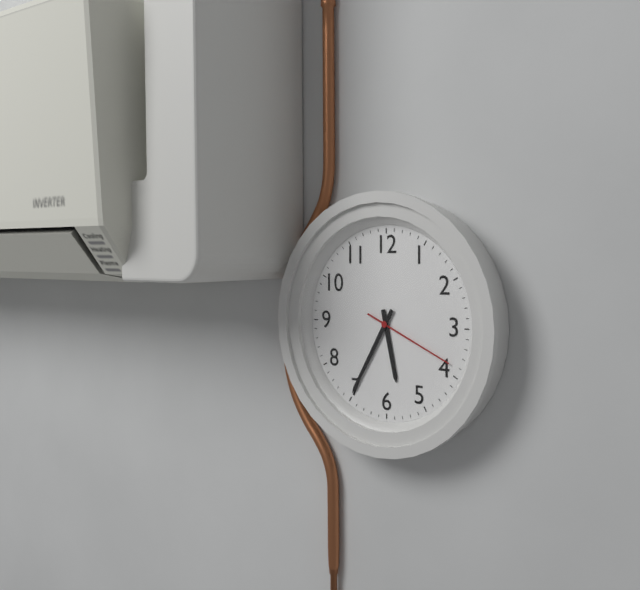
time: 5:35:19
